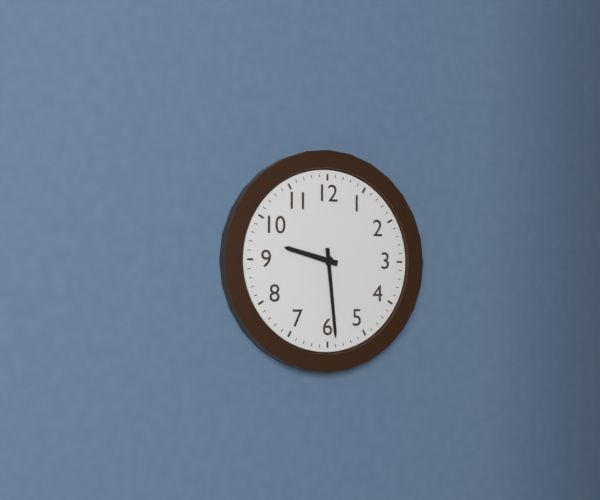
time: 9:29
